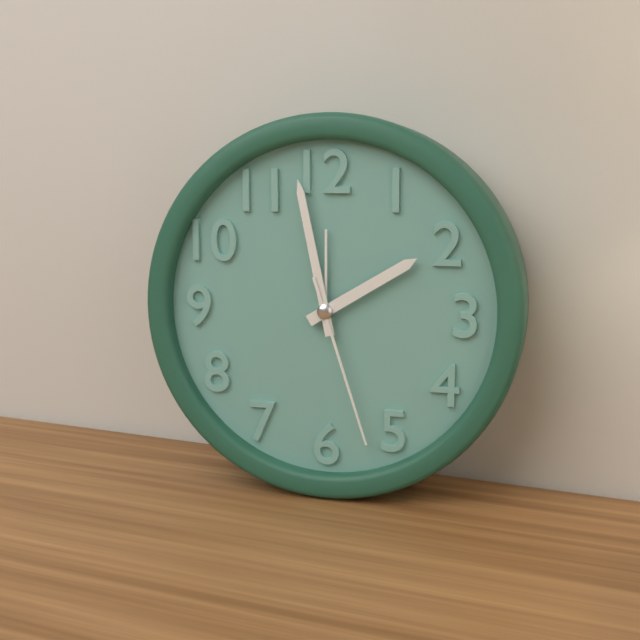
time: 1:58:27
